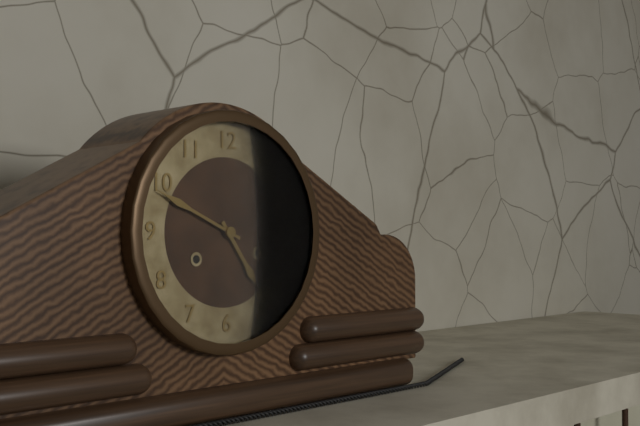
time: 4:49
